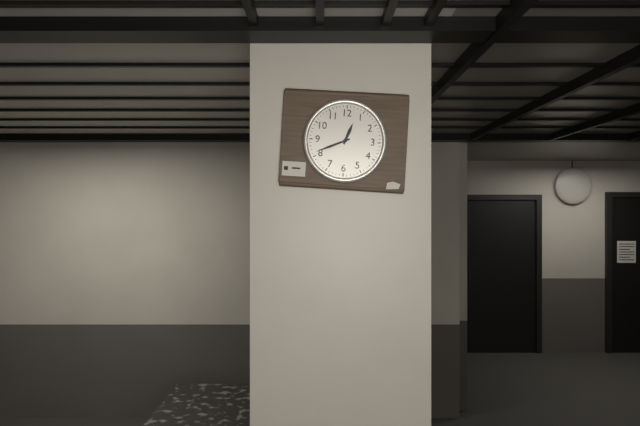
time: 12:41
